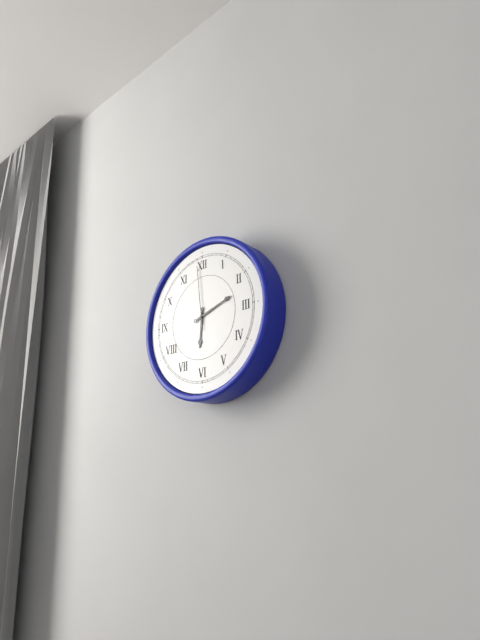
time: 6:12:59
